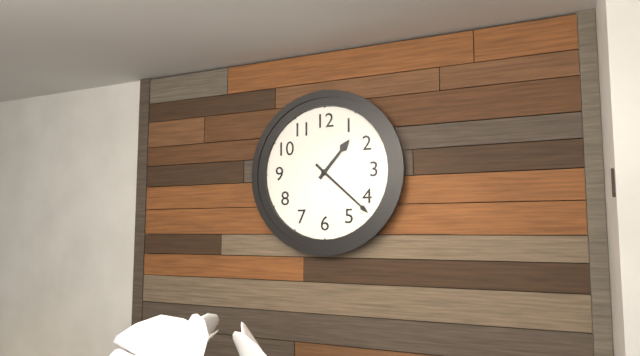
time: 1:22
